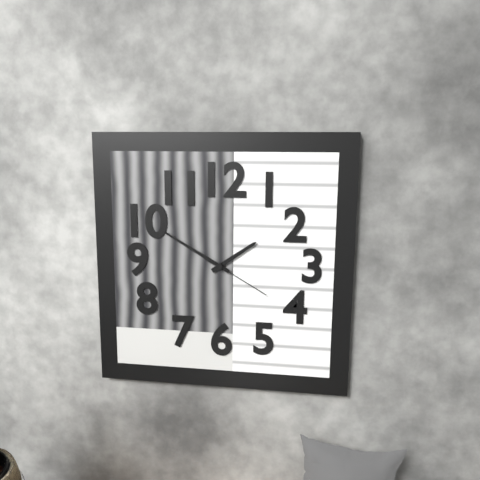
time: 1:50:20
